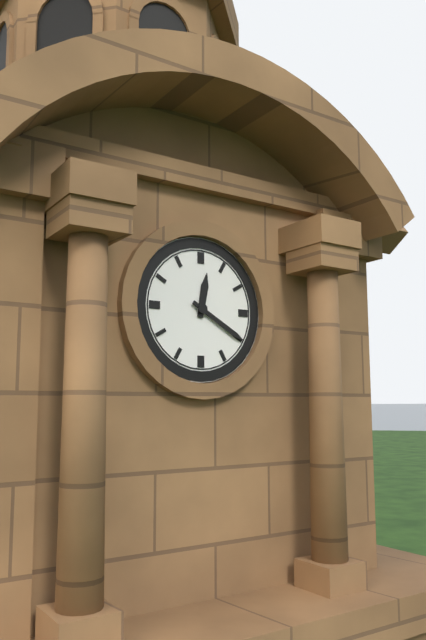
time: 12:20
